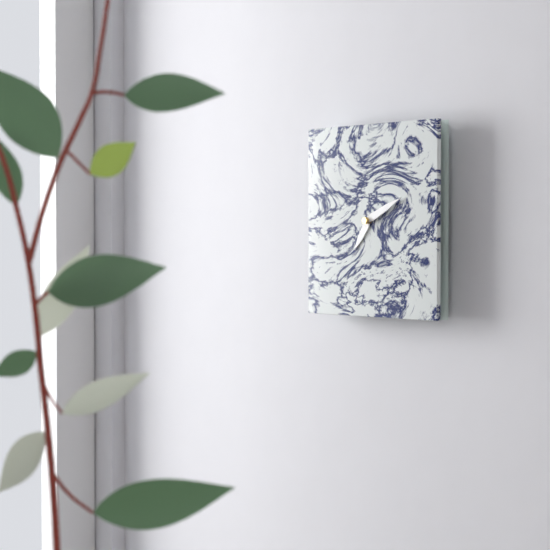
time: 7:11
